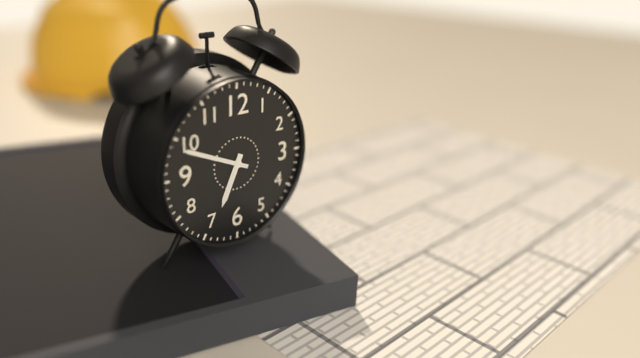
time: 6:49
